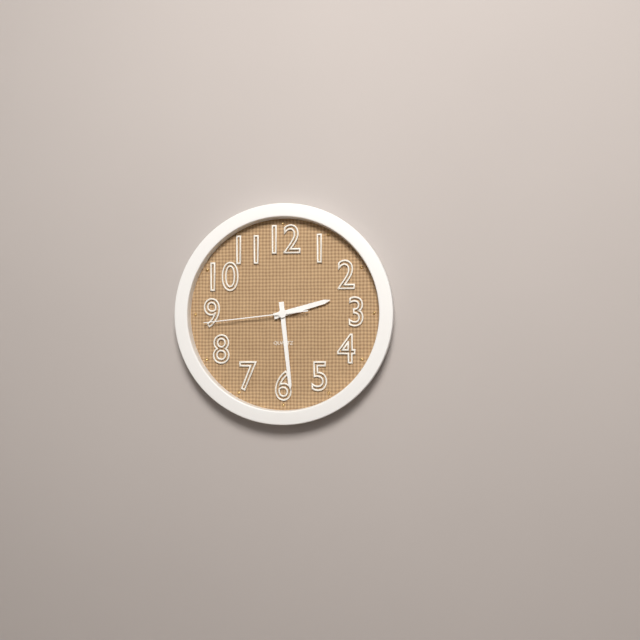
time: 2:29:44
